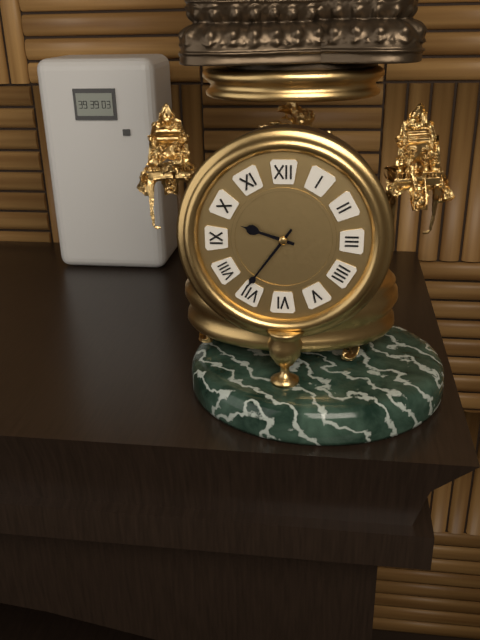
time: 9:36
